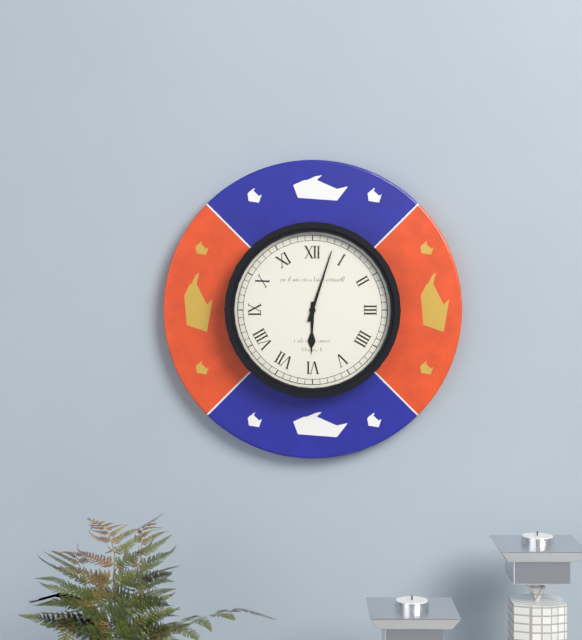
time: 6:03
